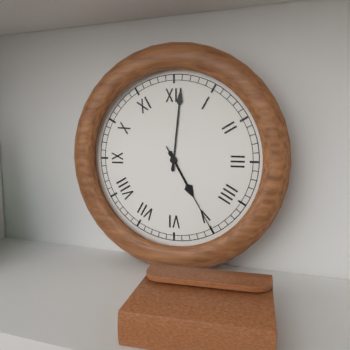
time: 5:01:25
